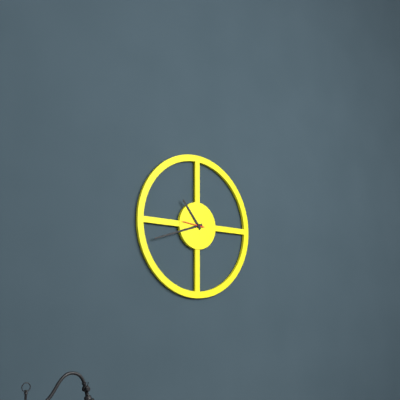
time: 10:42
